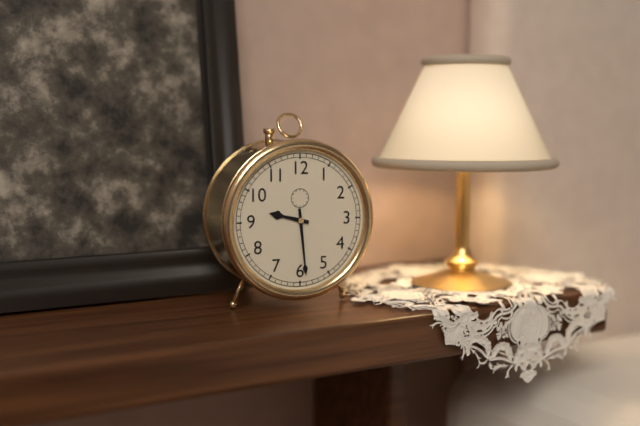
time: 9:29
